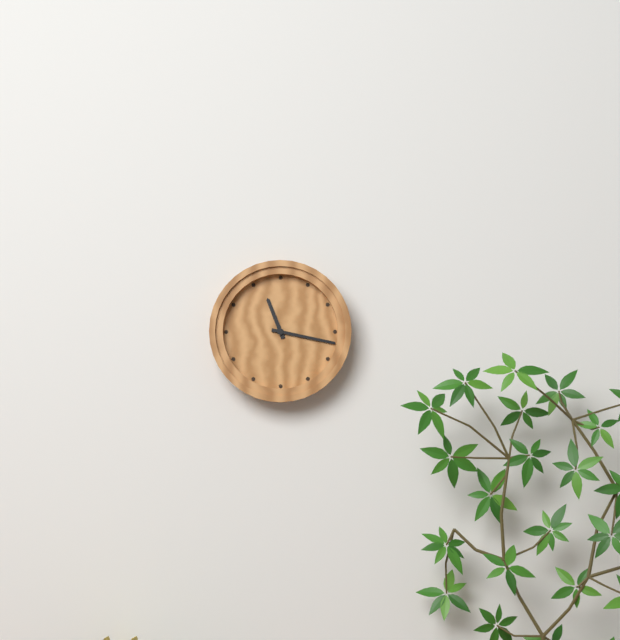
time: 11:17
